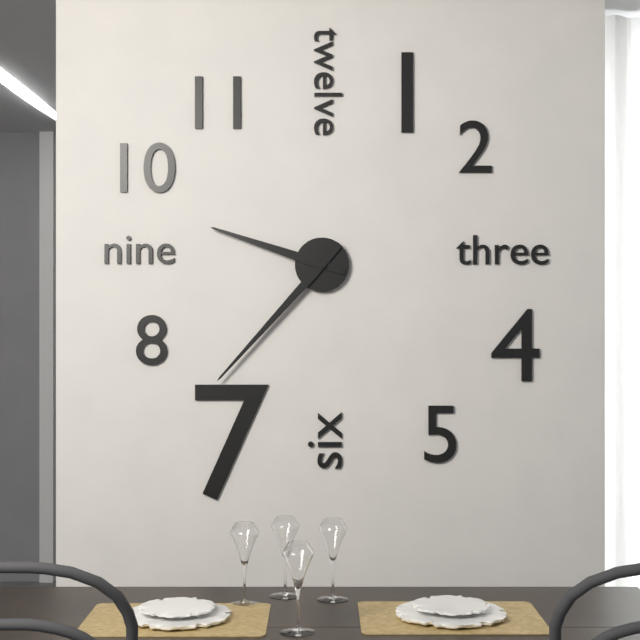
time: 9:37
